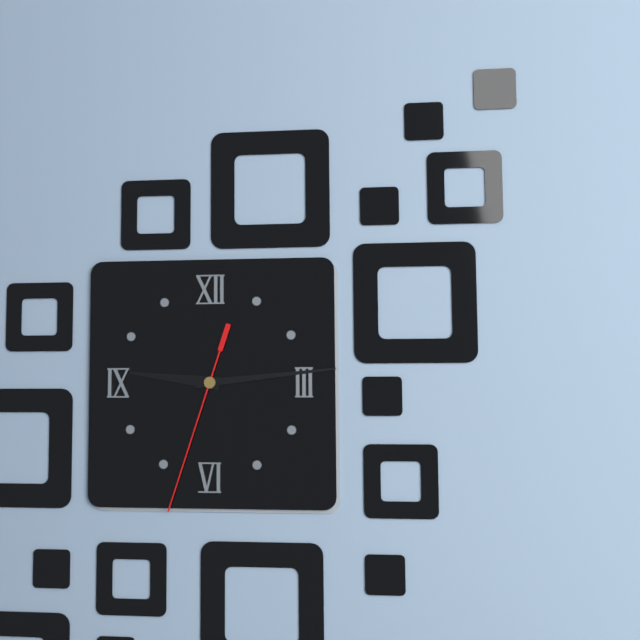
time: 9:14:33
